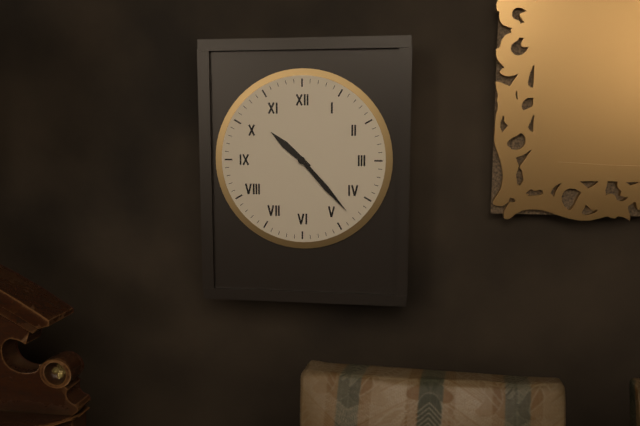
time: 10:23
